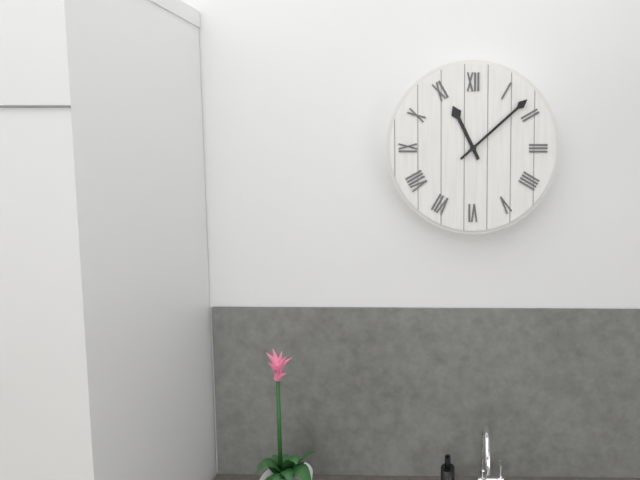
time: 11:08
